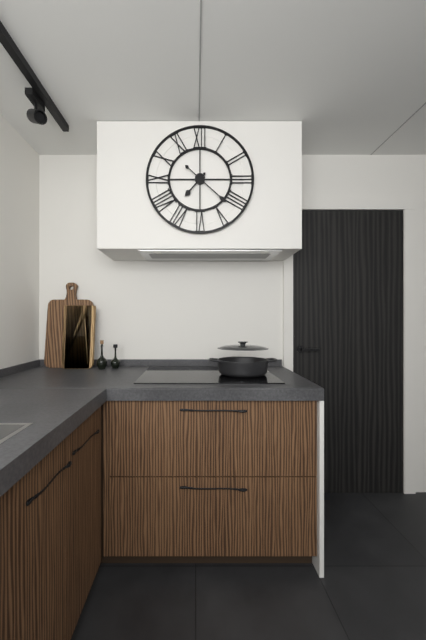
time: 7:22
